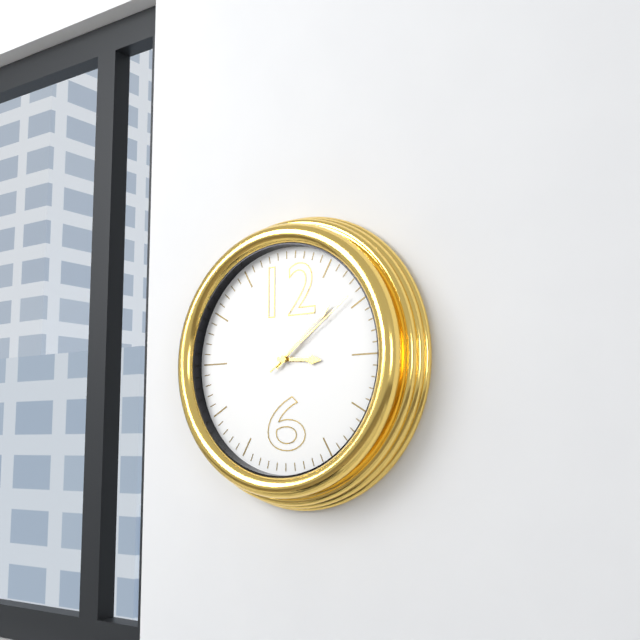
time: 3:08:09
